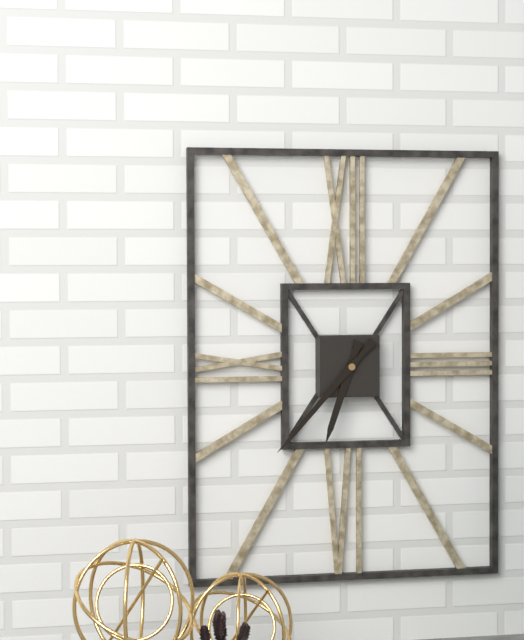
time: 6:37
